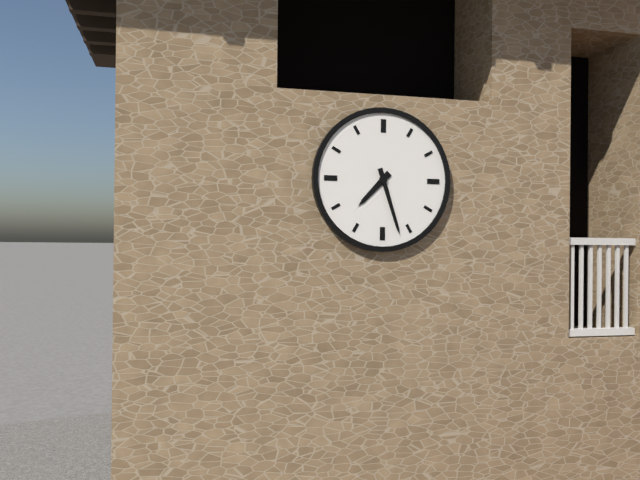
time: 7:27
